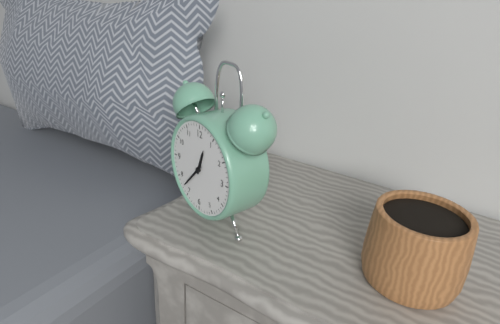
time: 12:37
